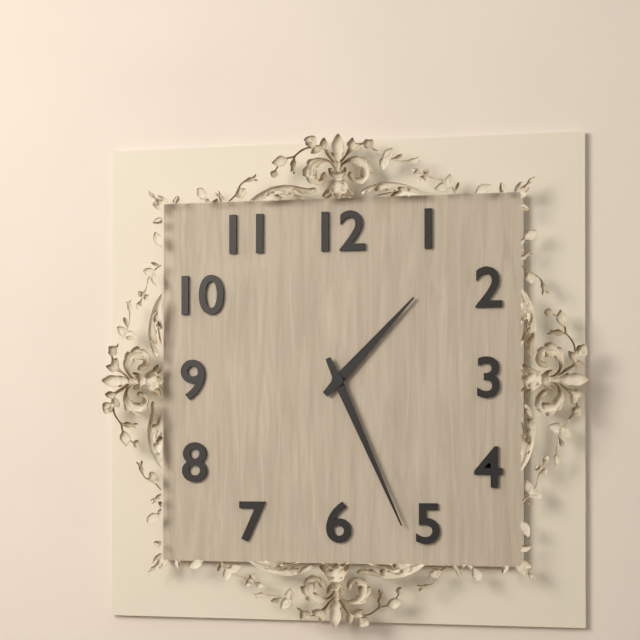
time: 1:26
